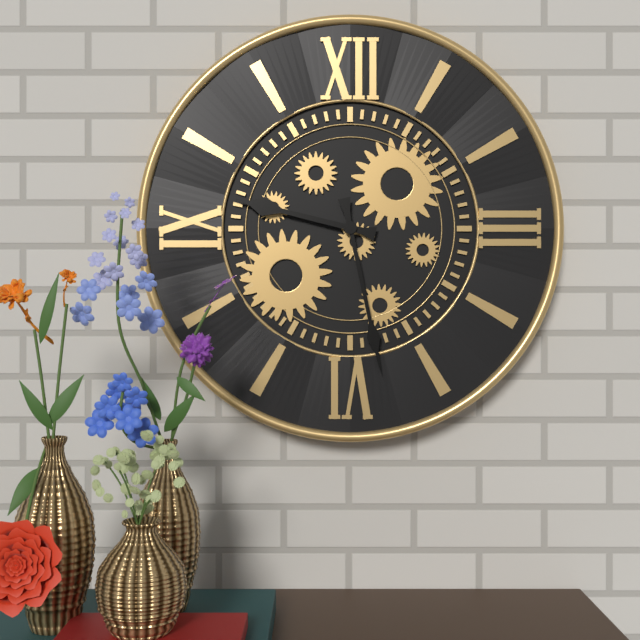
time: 9:28
